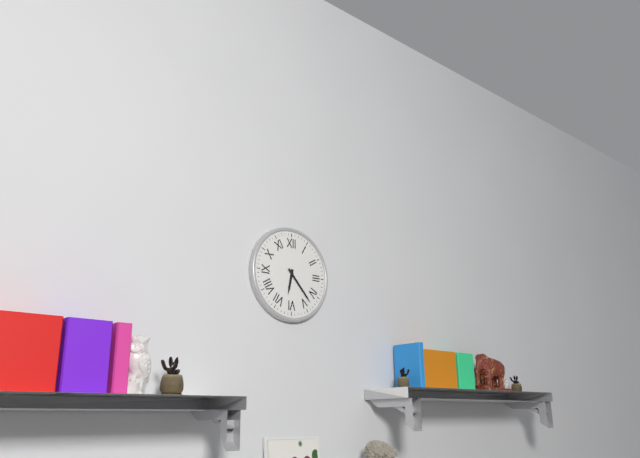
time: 6:23
